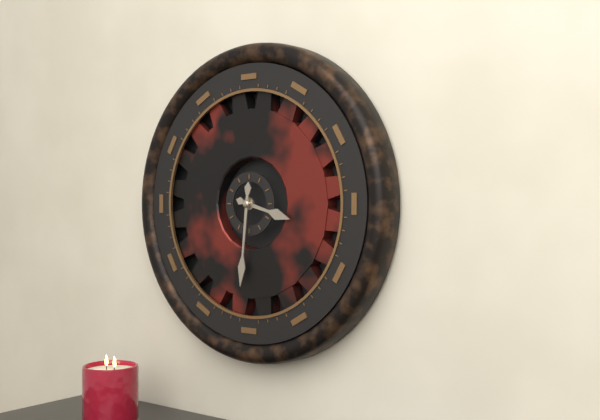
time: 3:31
